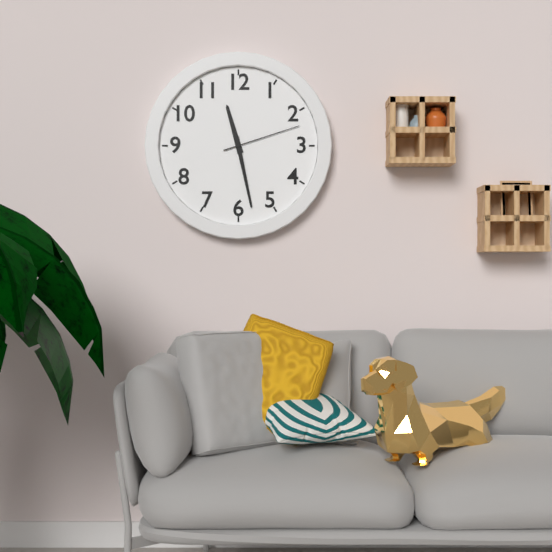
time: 11:28:12
